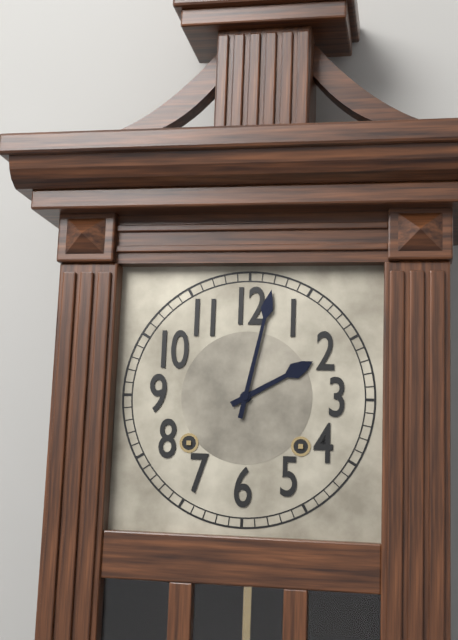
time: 2:02
